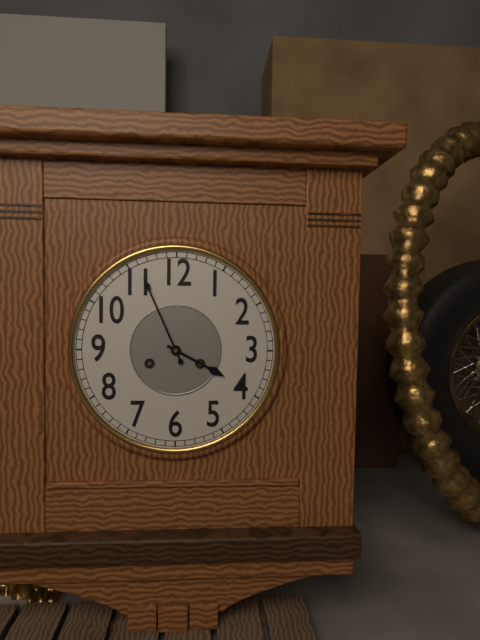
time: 3:56
